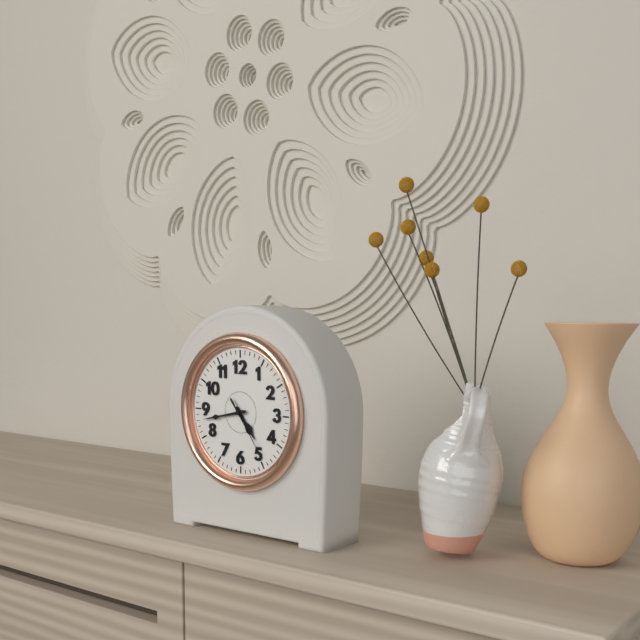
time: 4:43:24
